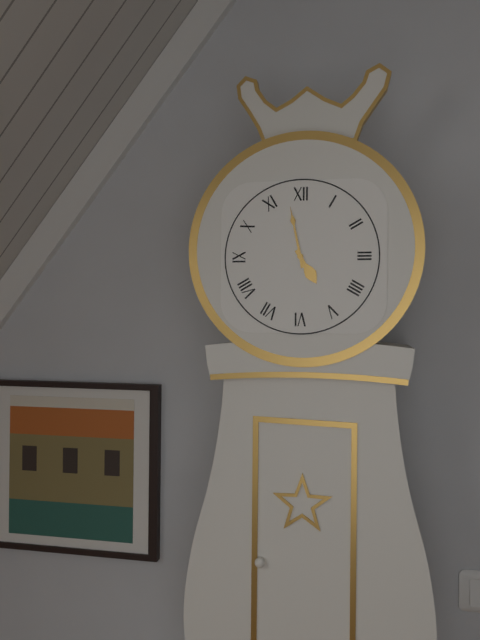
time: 4:58
